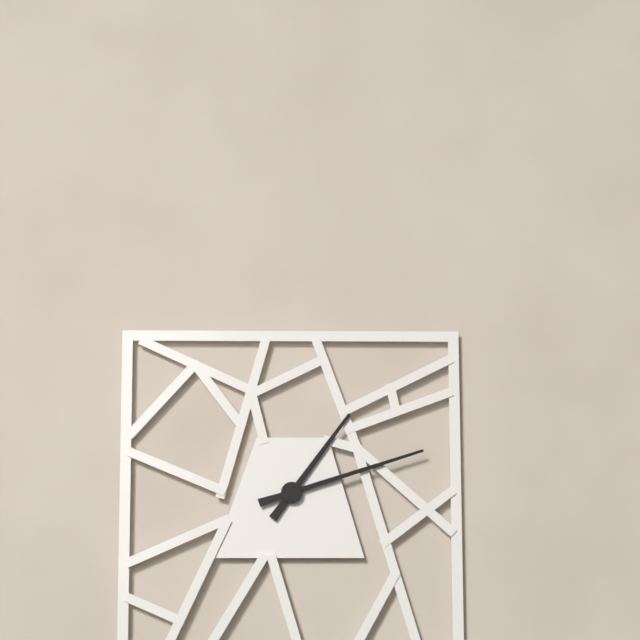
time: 1:12
